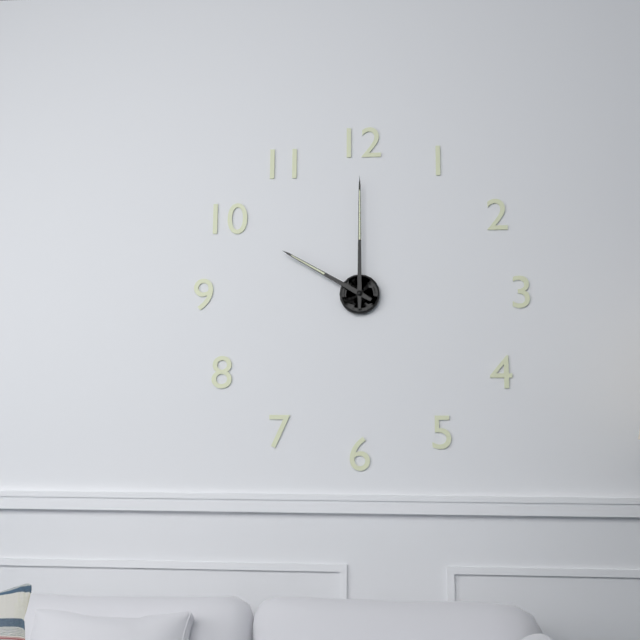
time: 10:00
